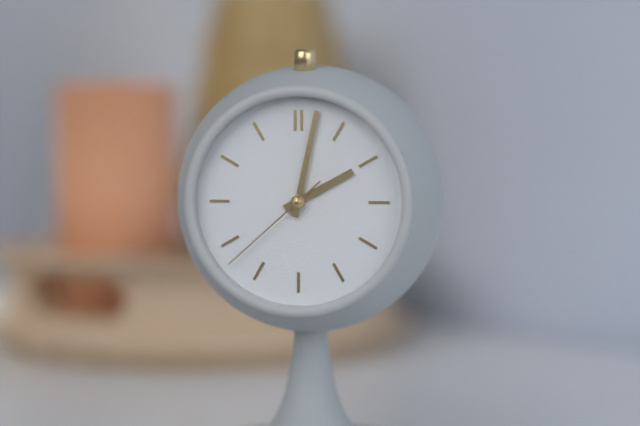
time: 2:02:38
